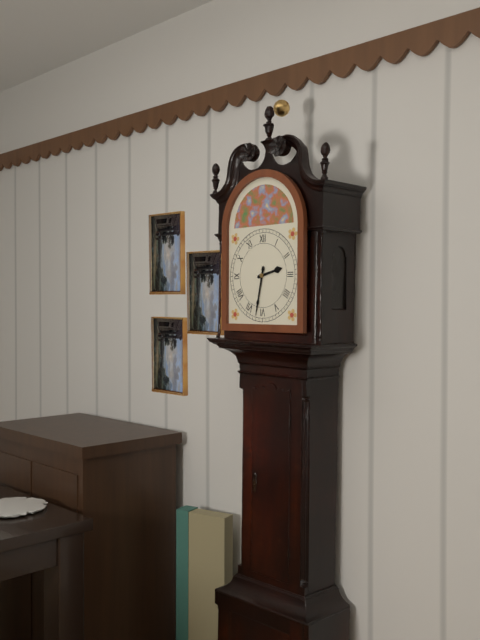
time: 2:32
